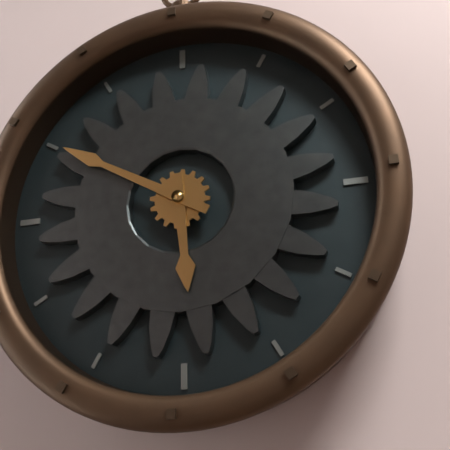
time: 5:50
